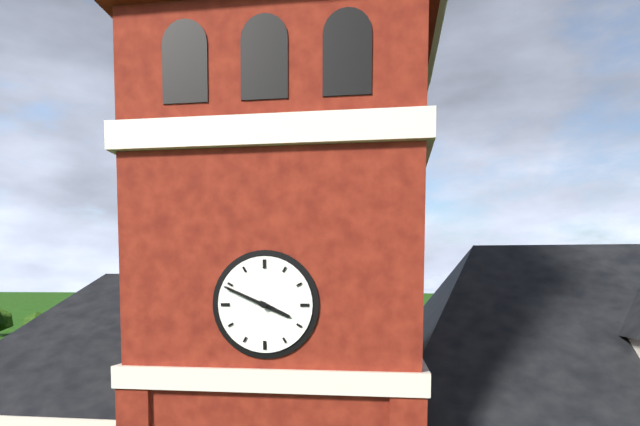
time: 3:49
